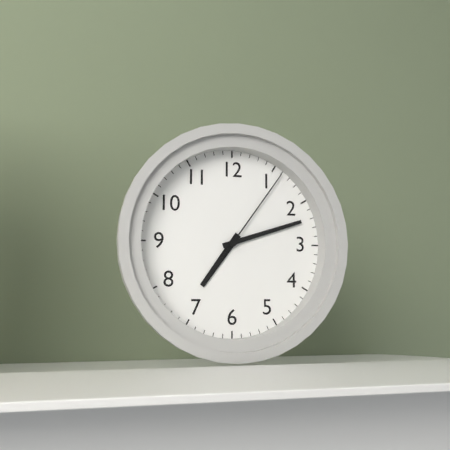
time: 7:12:06
